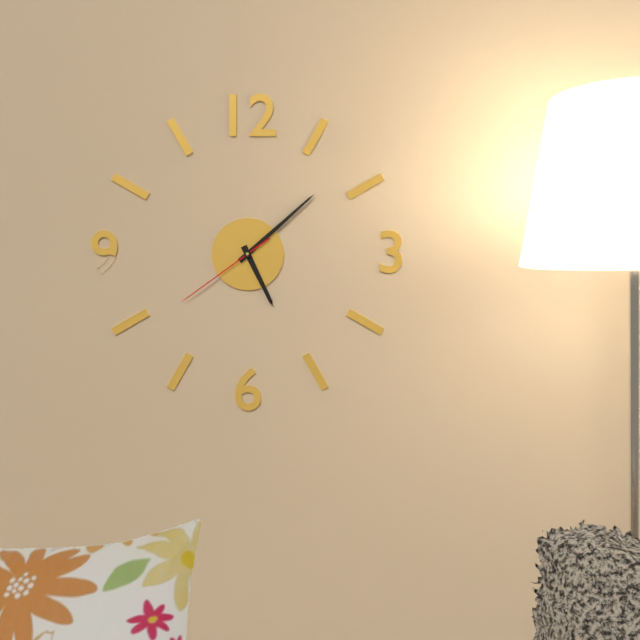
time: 5:08:39
